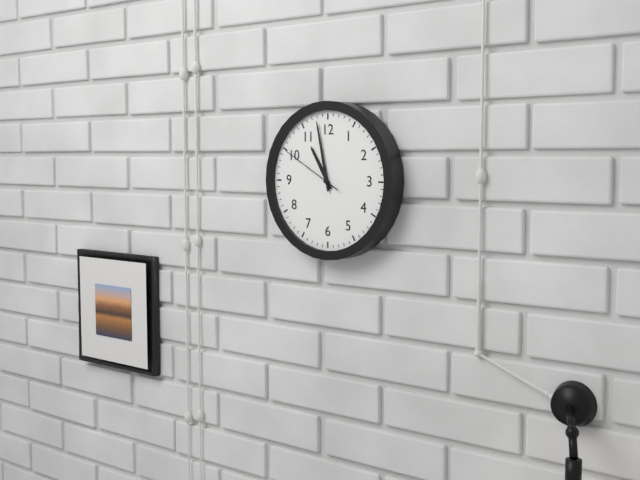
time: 10:58:50
